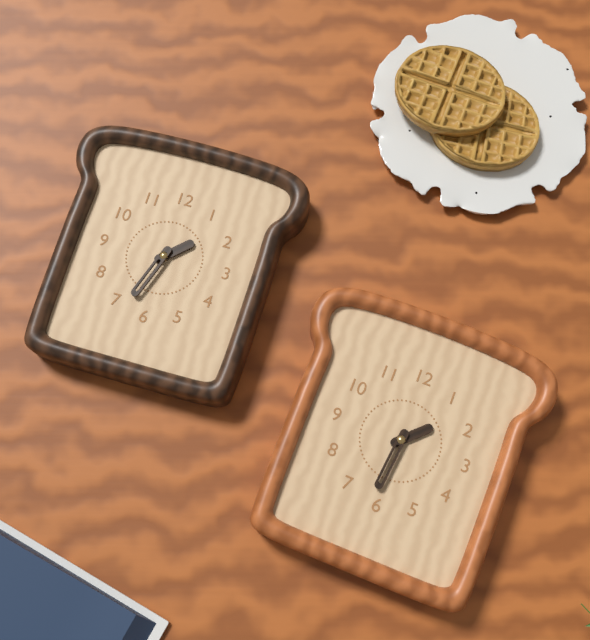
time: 1:31
